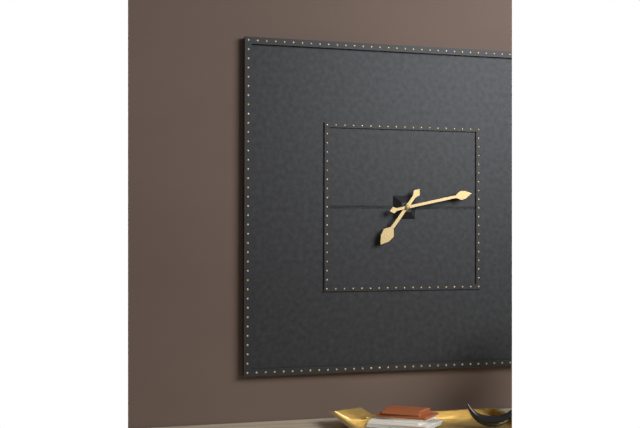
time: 7:13
